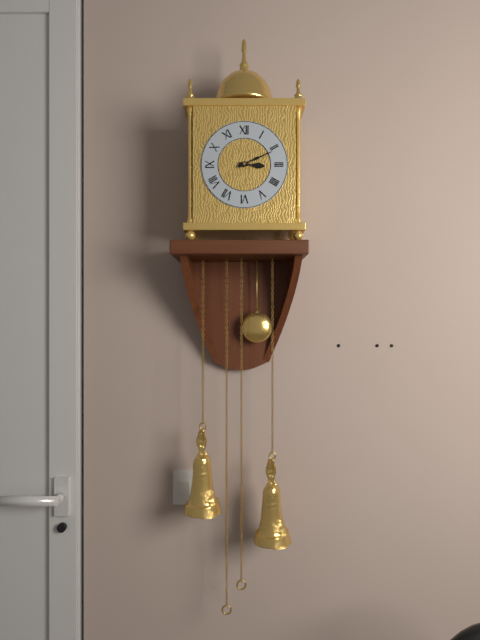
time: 3:11
